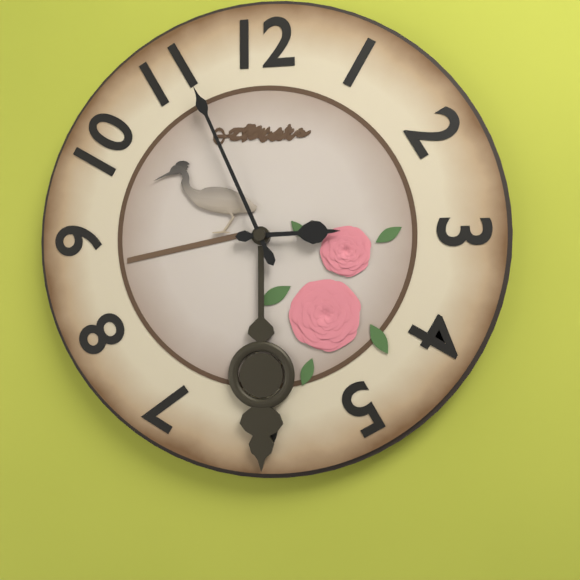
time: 2:56
